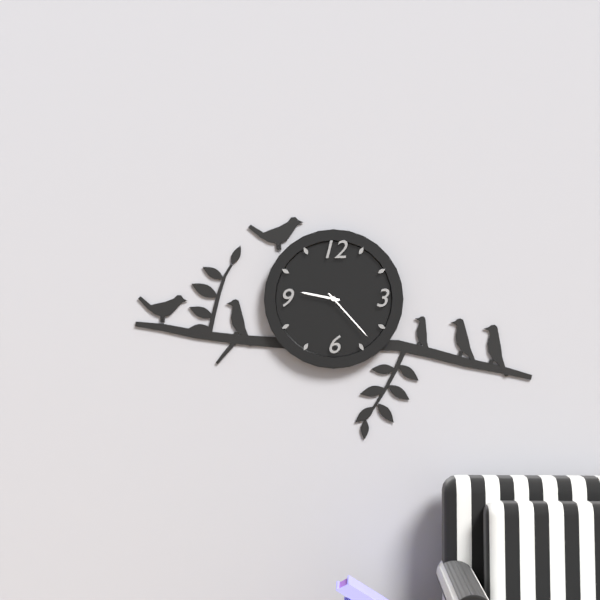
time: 9:23
